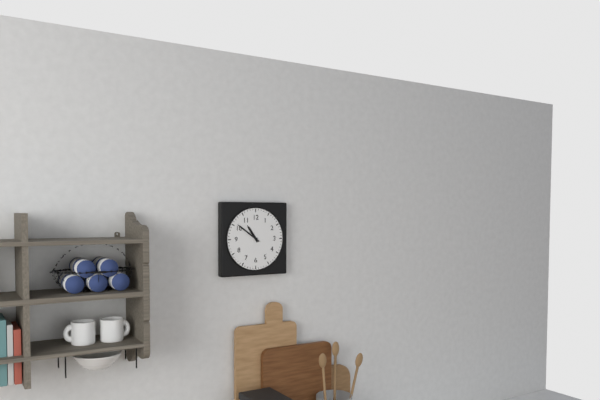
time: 10:51
